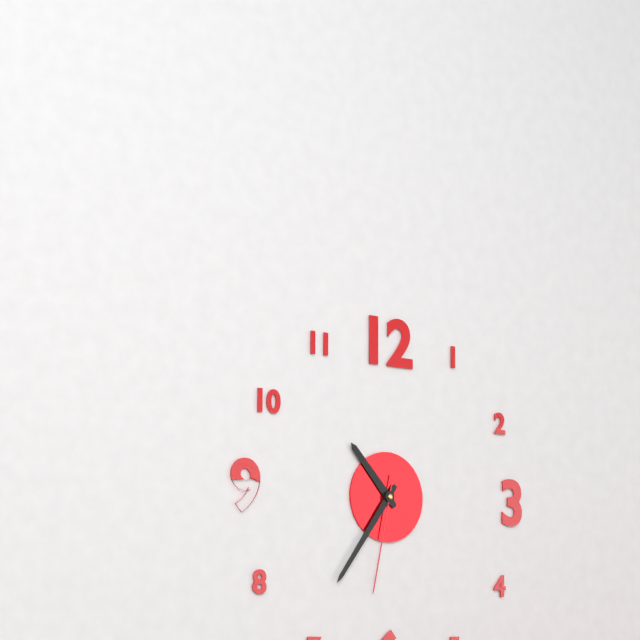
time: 10:36:32
